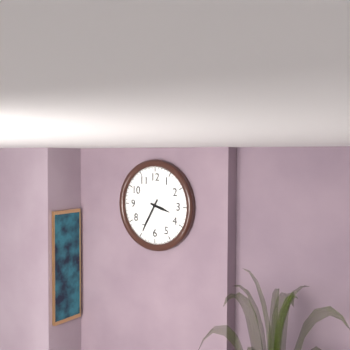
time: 3:35
